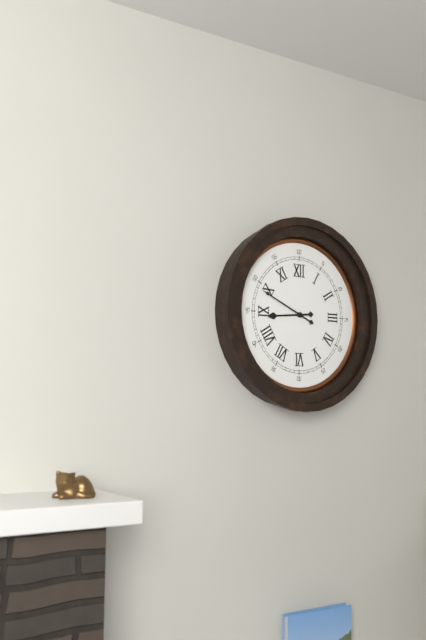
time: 8:49
